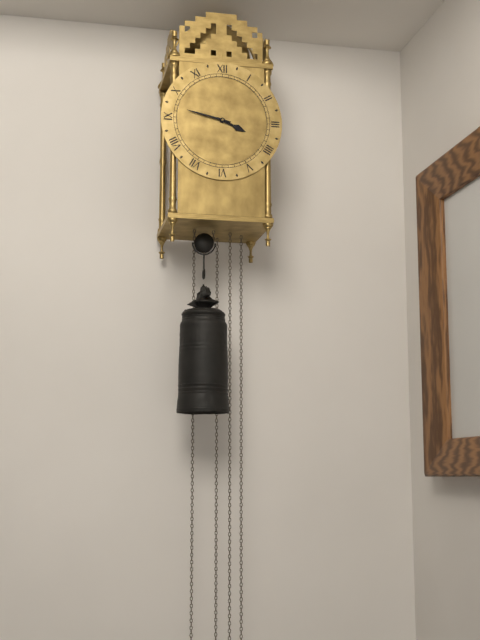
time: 3:47
